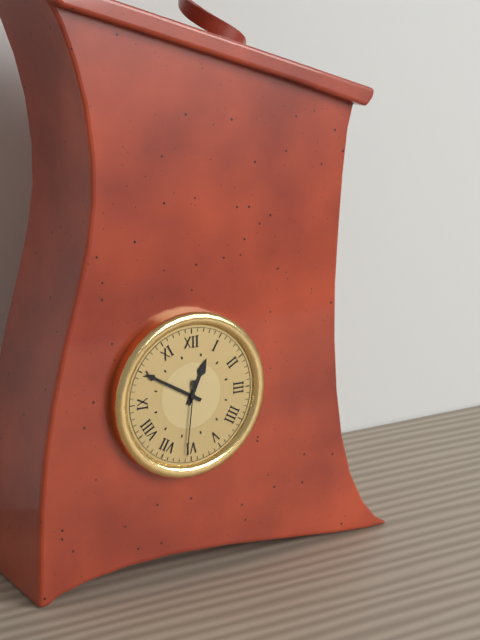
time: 12:50:31
